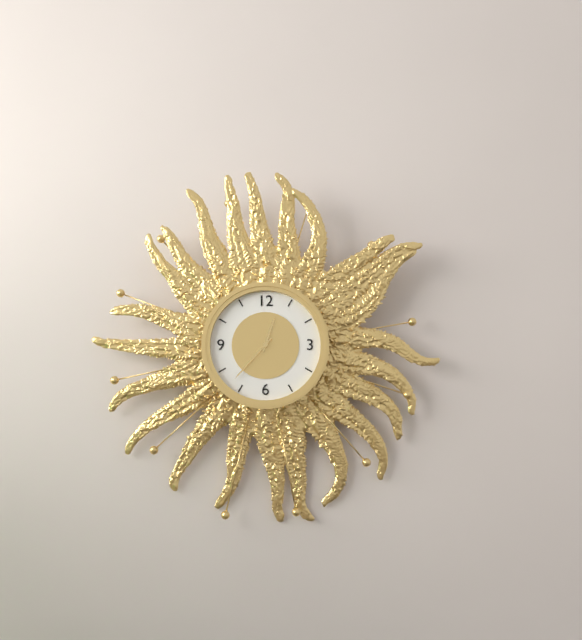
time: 12:37
